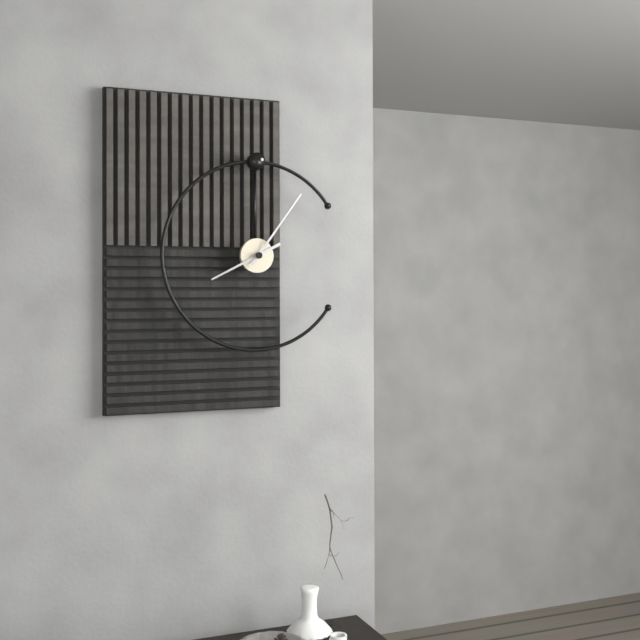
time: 8:06
